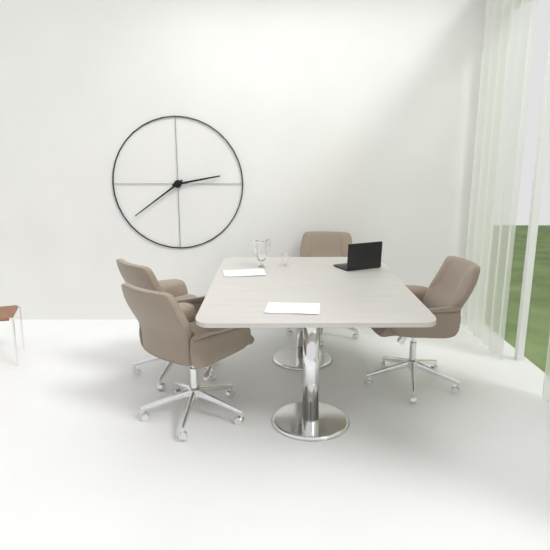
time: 2:39
